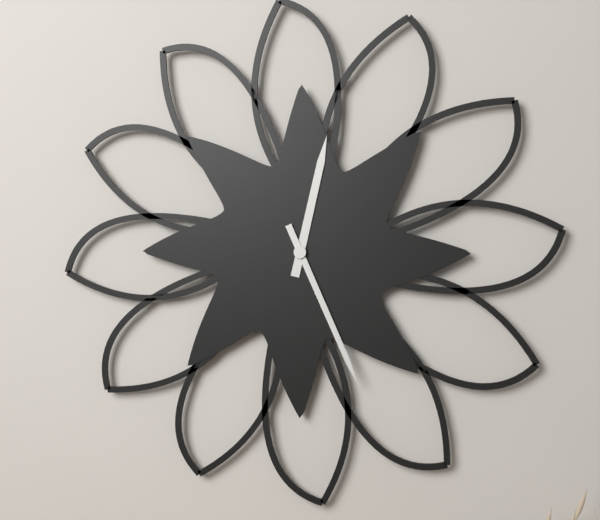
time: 12:26
